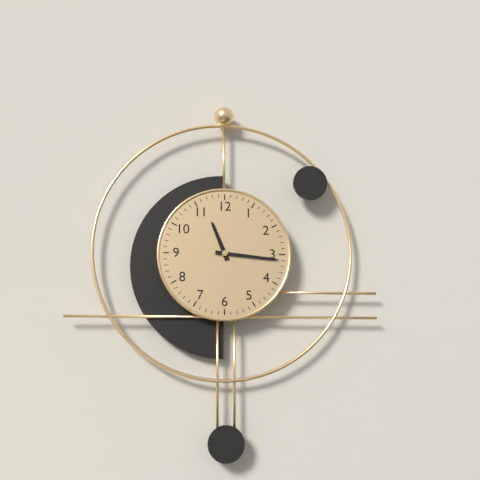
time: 11:16
